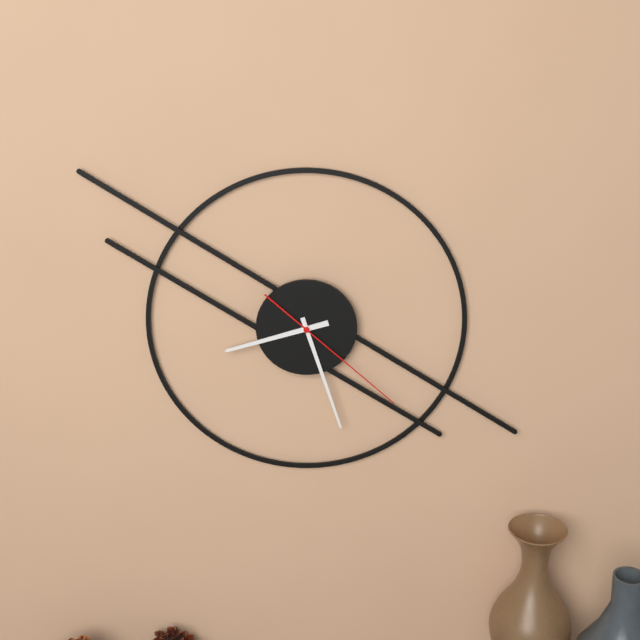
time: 8:27:22
